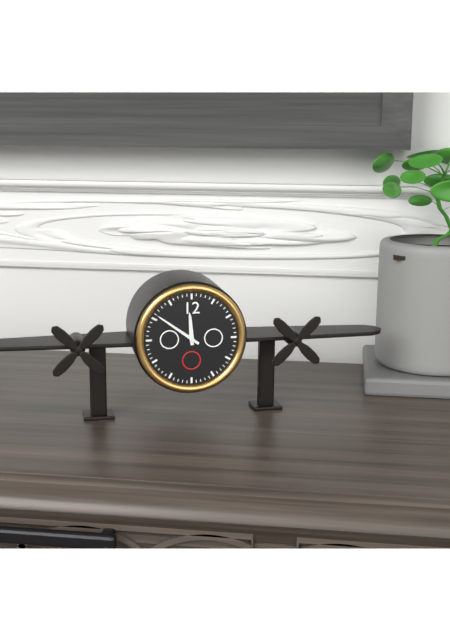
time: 11:51
